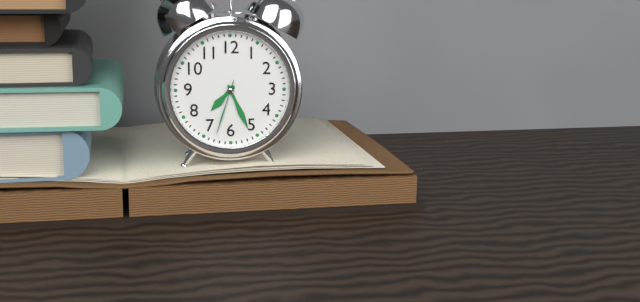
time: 7:26:33
